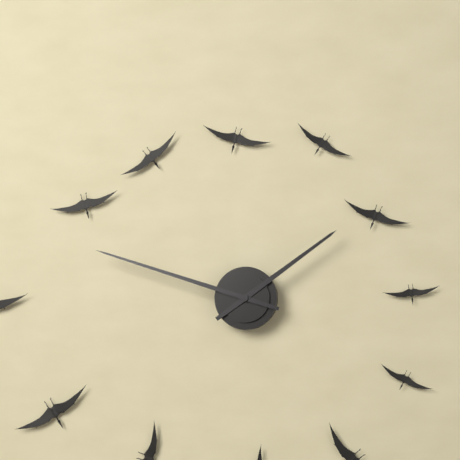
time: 1:48
